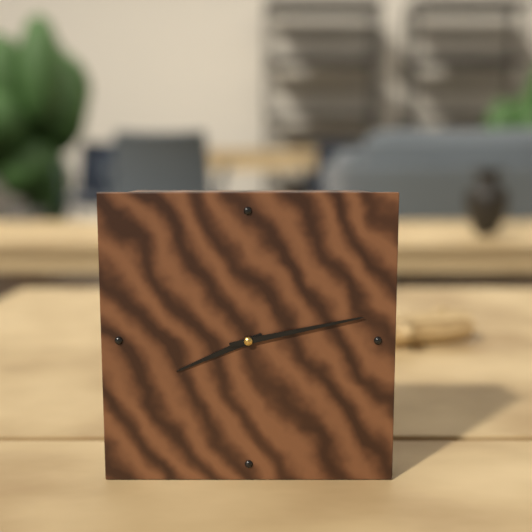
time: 8:13
